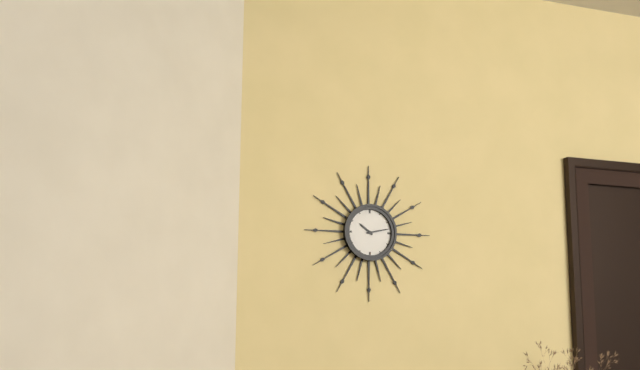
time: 10:13
